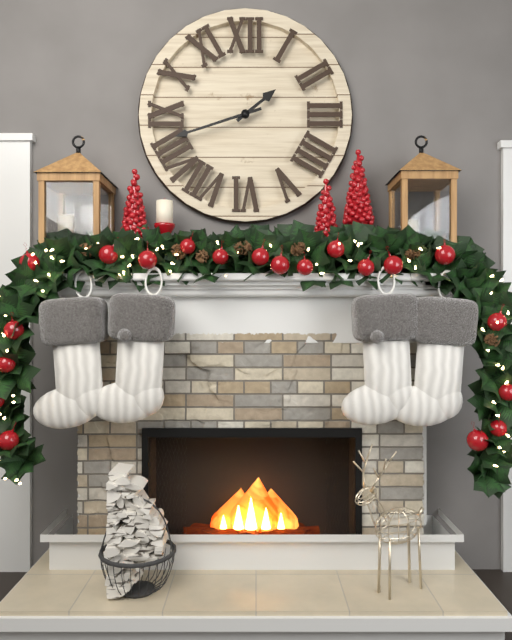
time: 1:42
